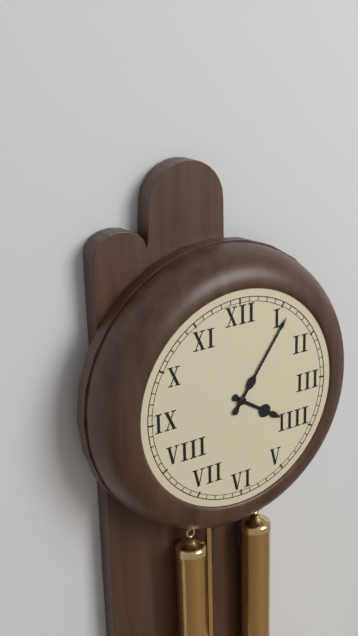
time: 4:06
